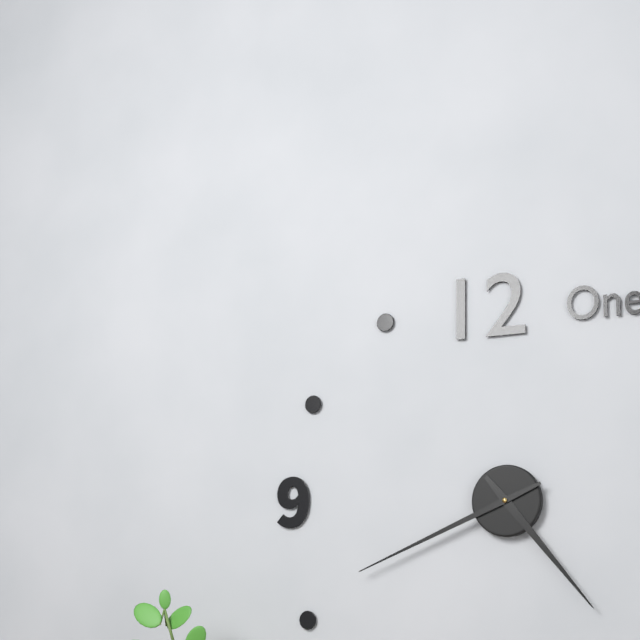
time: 4:41
